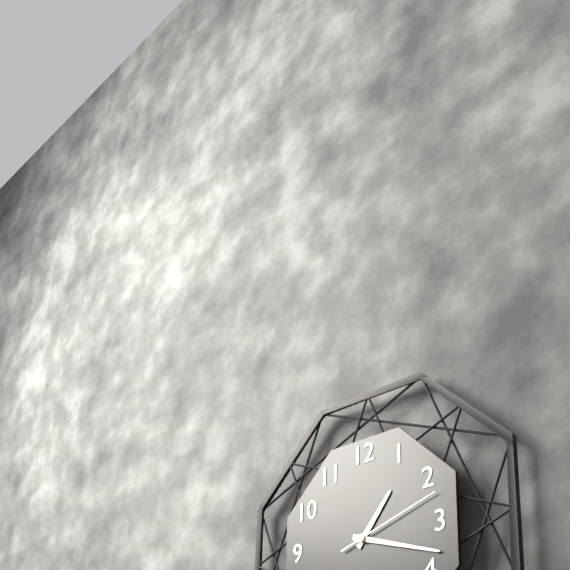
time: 1:18:12
